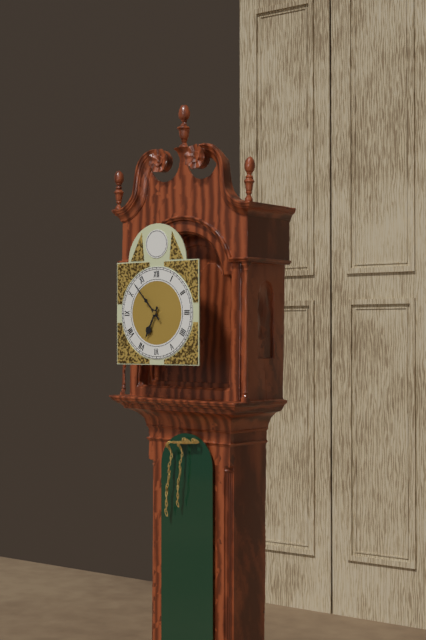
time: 6:53
